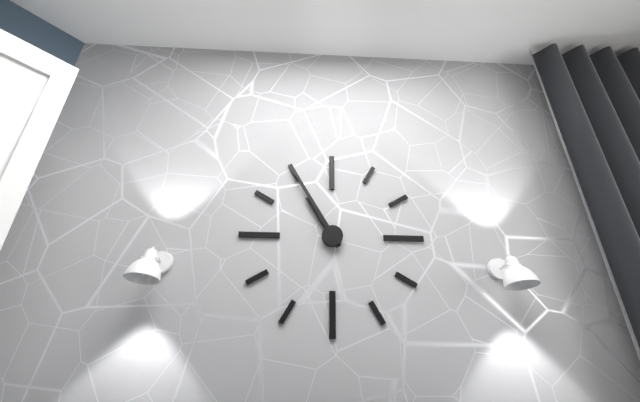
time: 10:55
